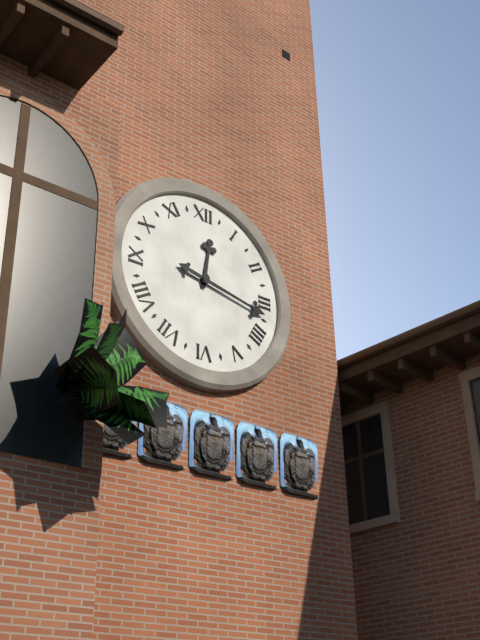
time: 12:17
